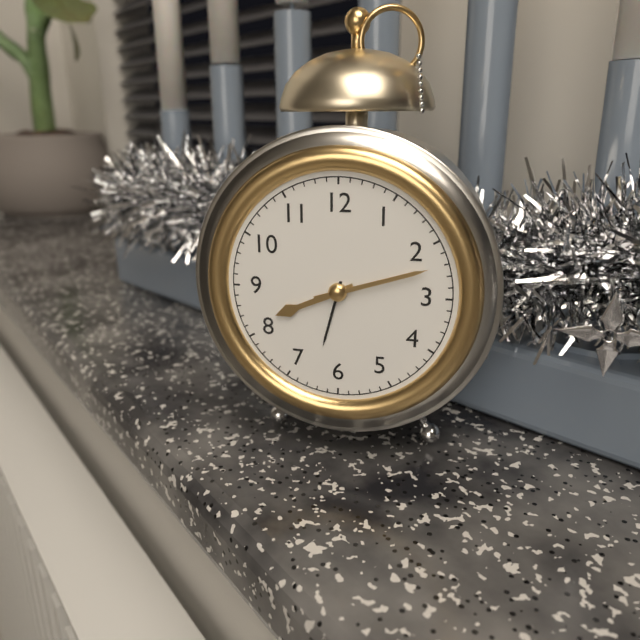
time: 8:12
